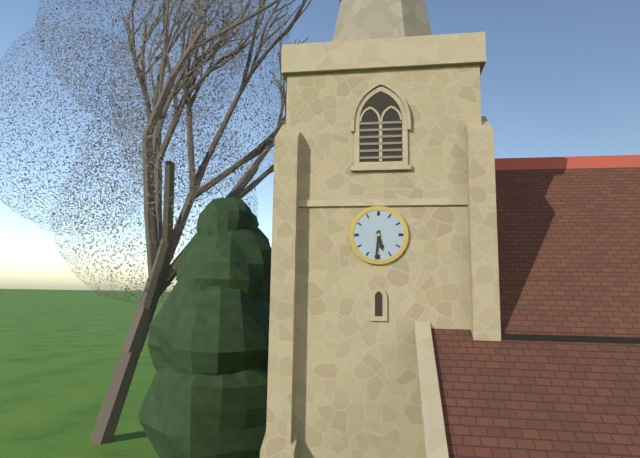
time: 5:31
